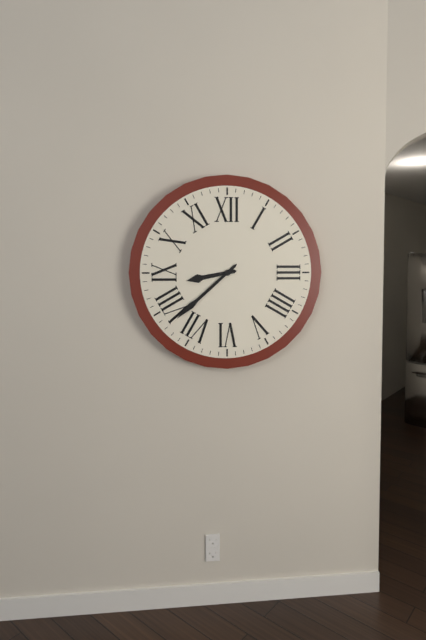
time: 8:38
